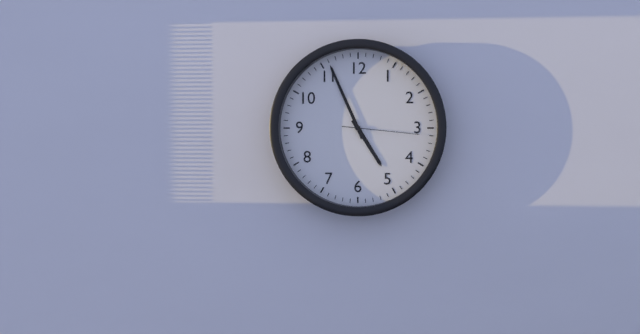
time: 4:56:16
